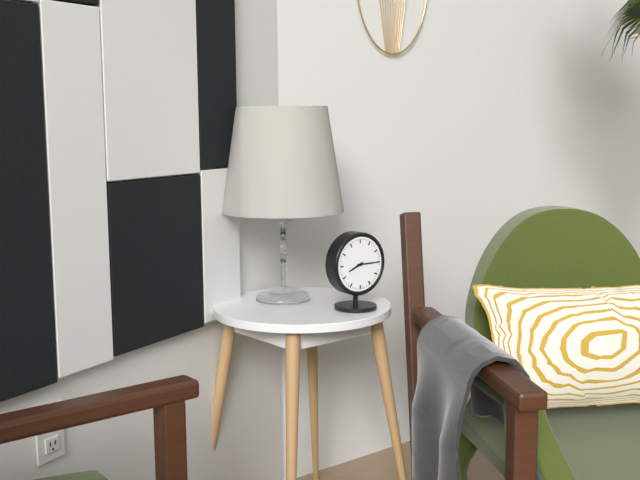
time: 8:15
